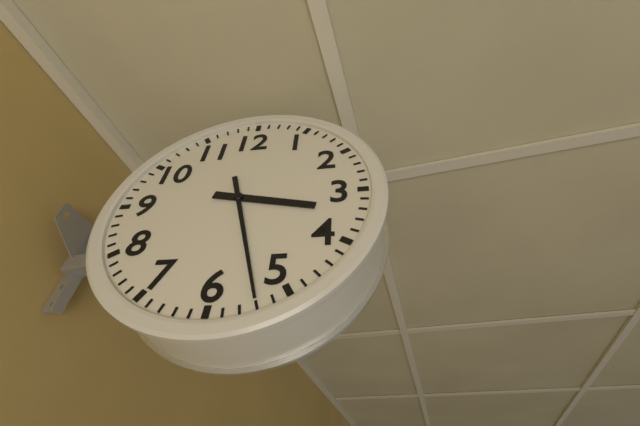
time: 3:27
